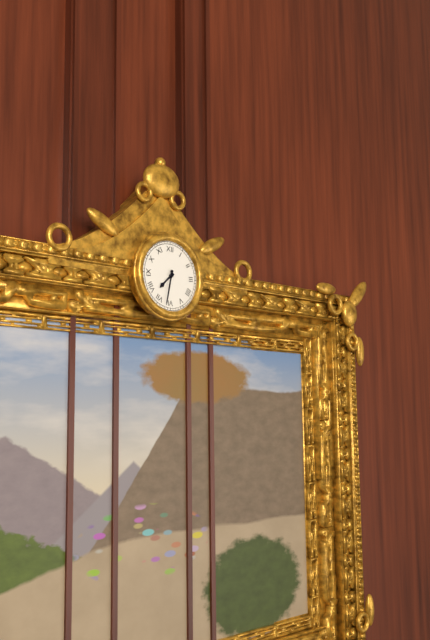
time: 7:32
